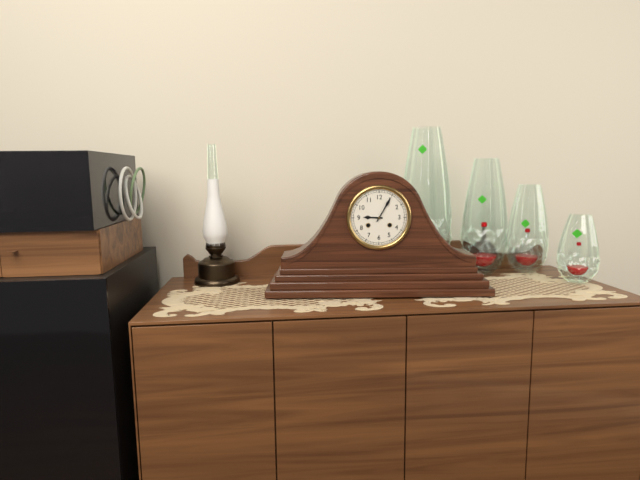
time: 9:05
